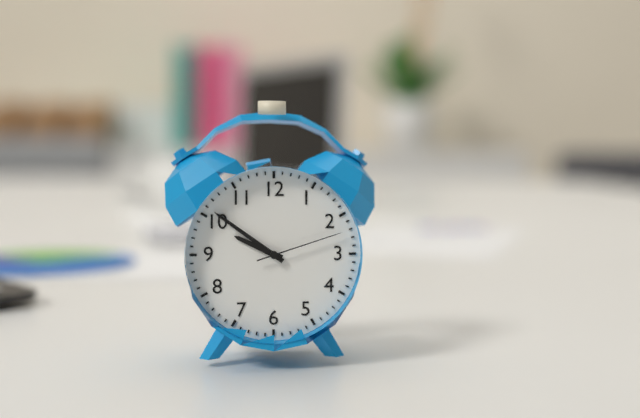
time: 9:51:12
